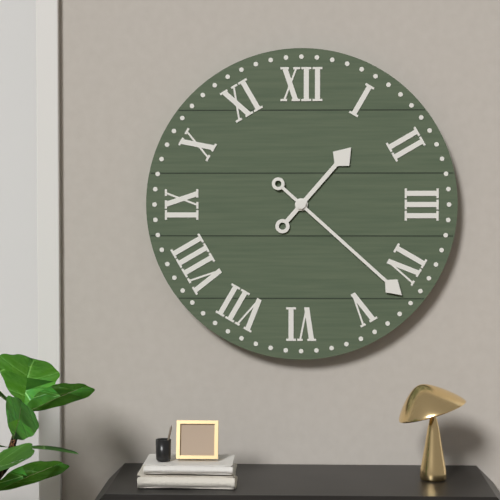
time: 1:22
